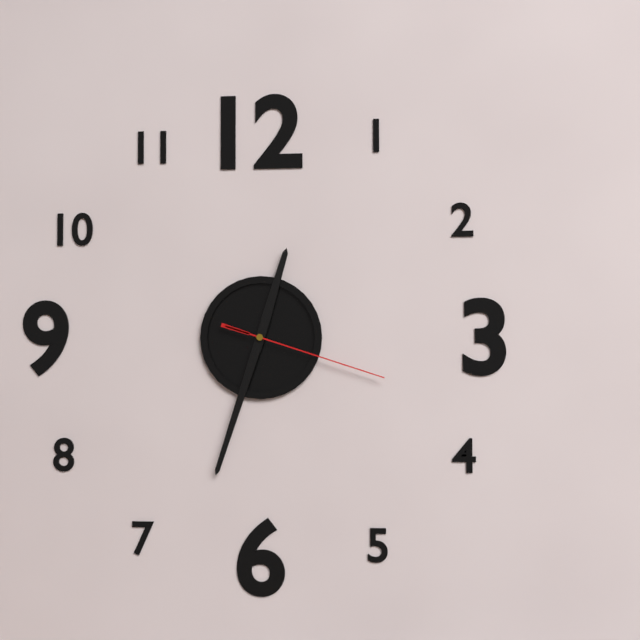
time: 12:33:18
